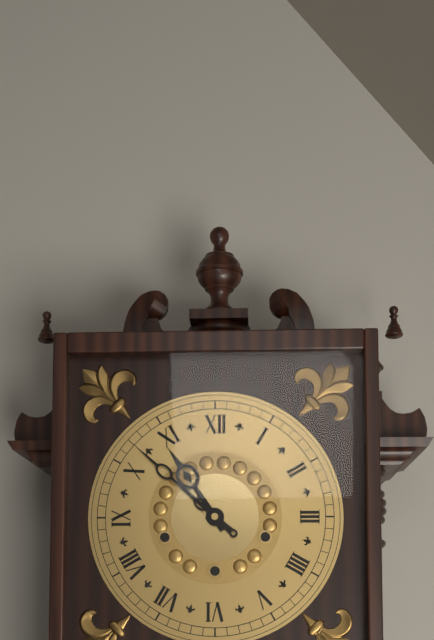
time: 10:52
